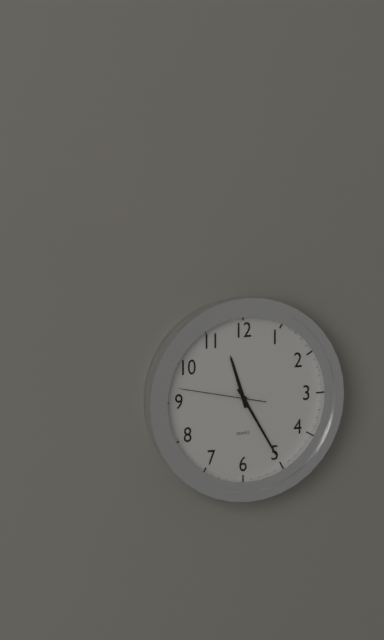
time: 11:25:47
